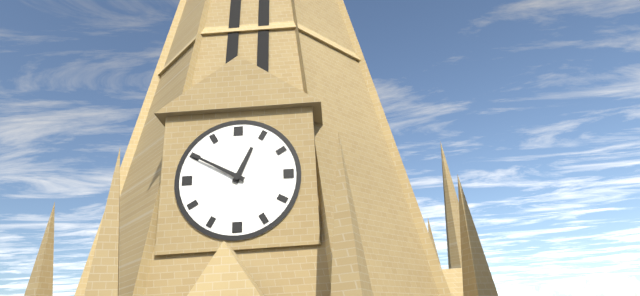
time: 12:50
